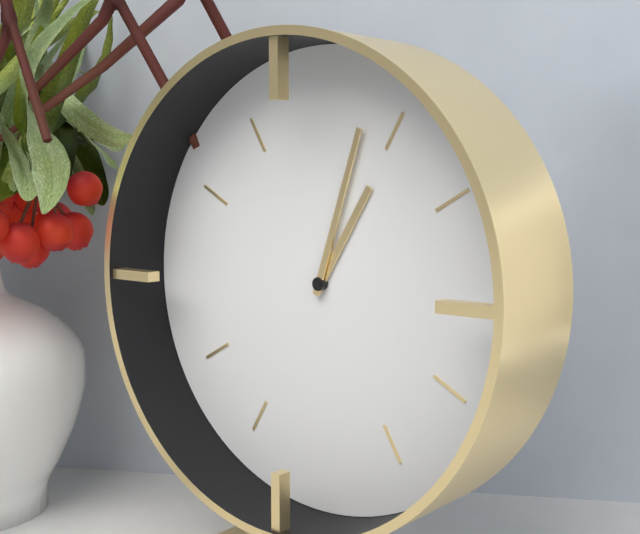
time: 1:03
